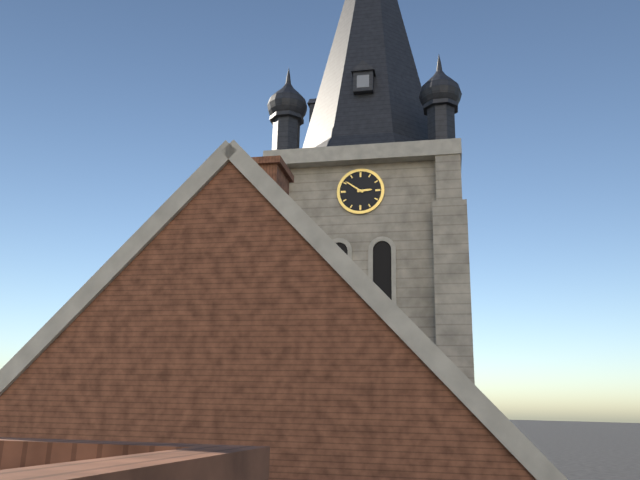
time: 2:51
